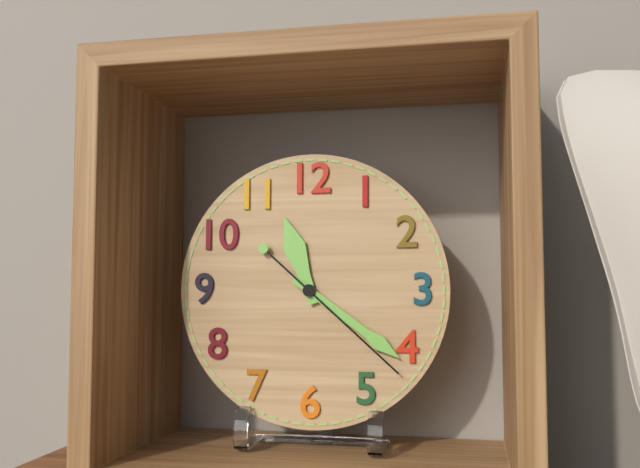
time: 11:21:22
